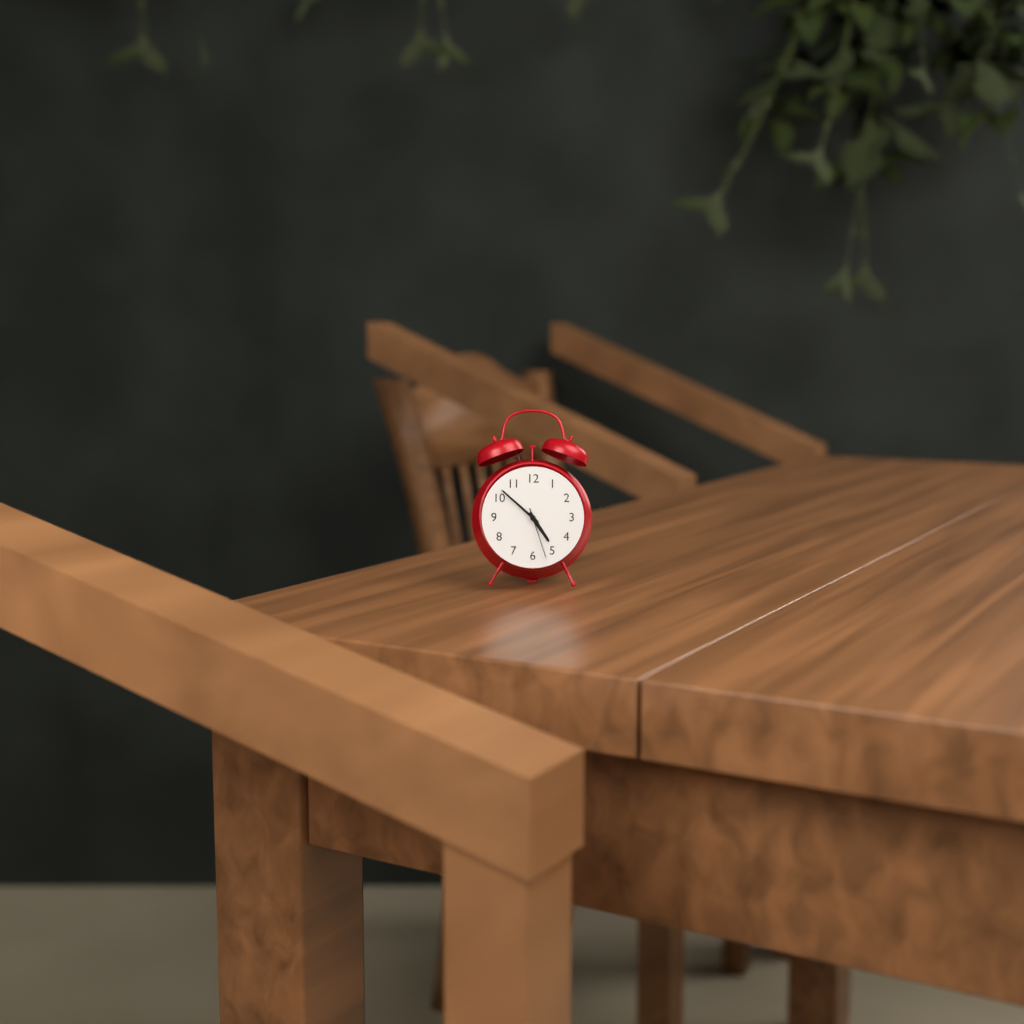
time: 4:52:27
